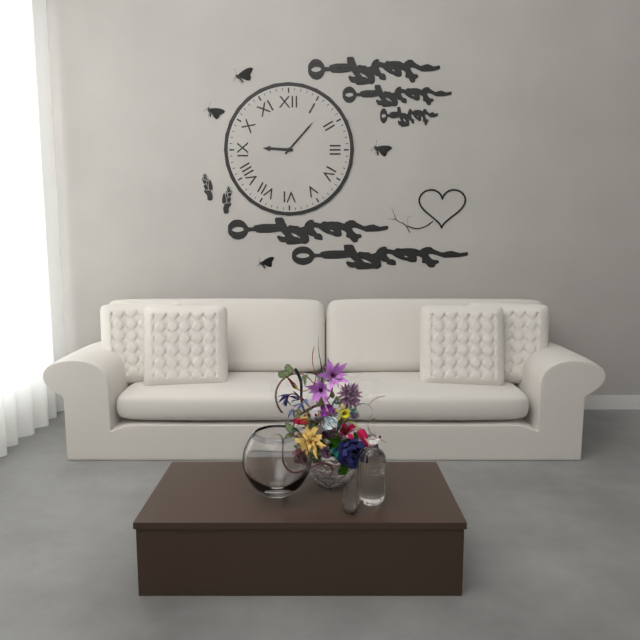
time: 9:07
